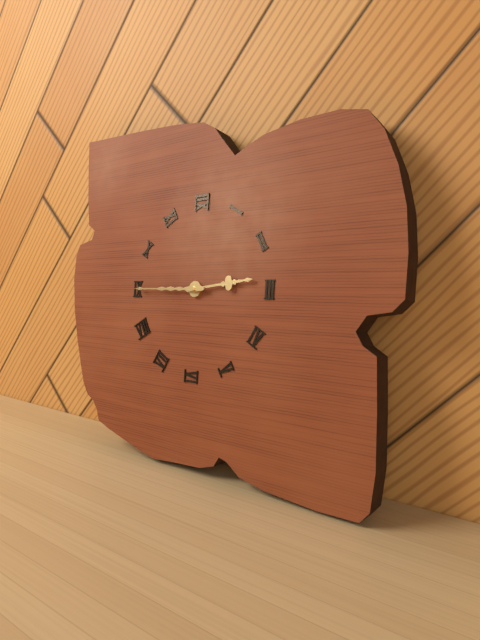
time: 2:45
